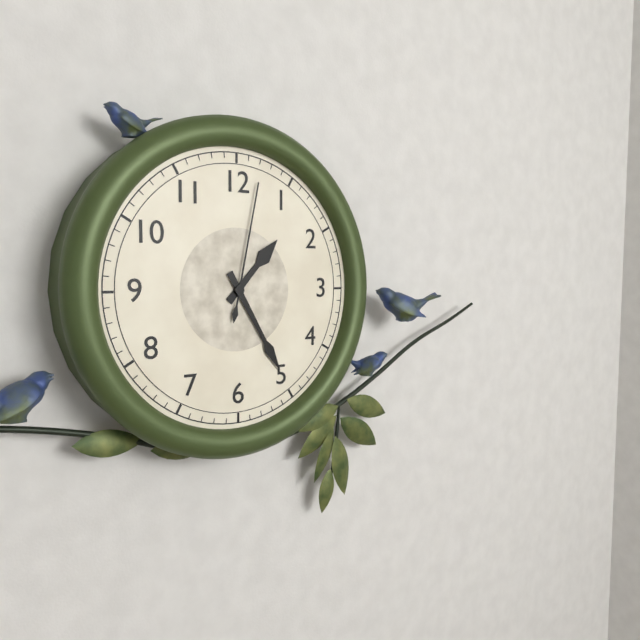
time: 1:25:02
